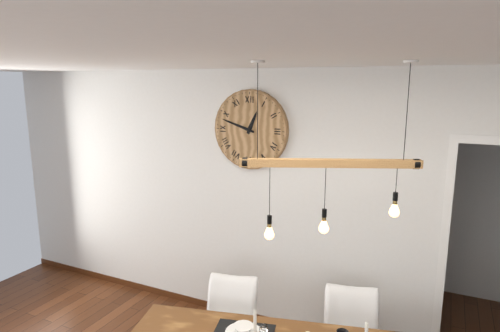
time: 12:48
